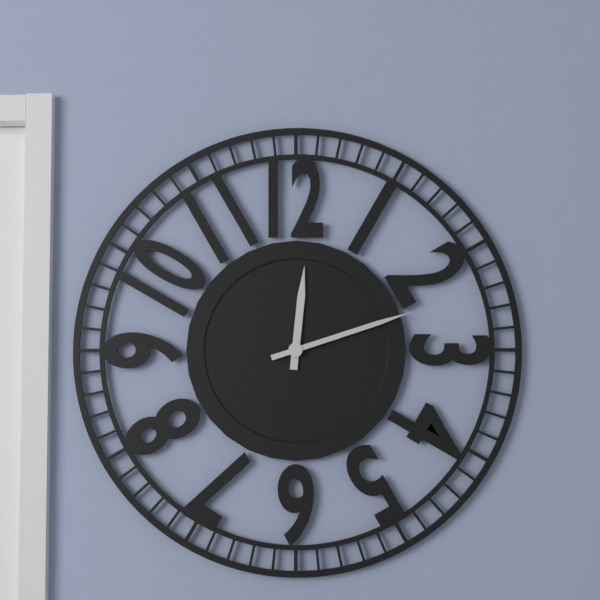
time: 12:12
